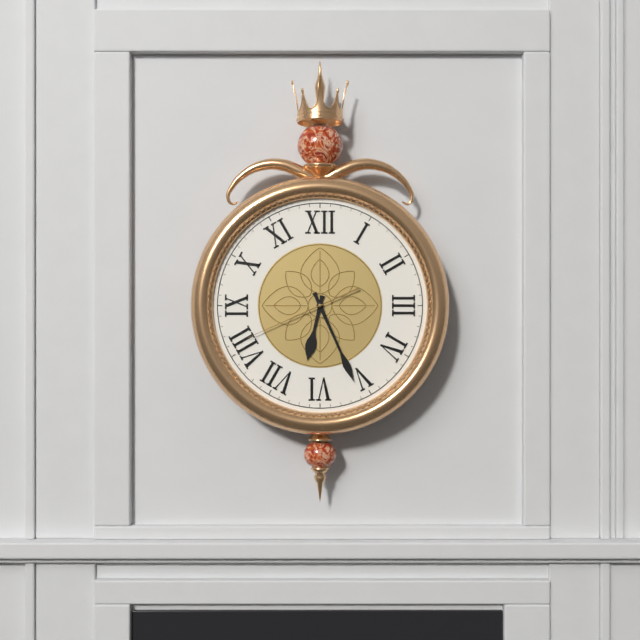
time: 6:26:41
